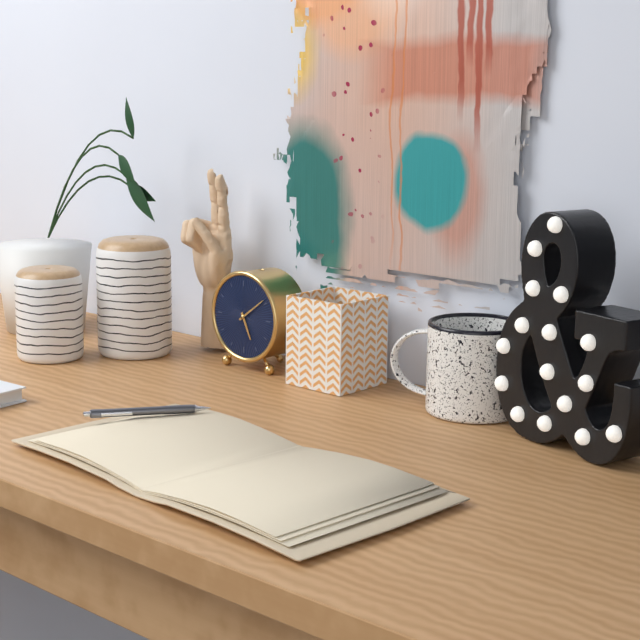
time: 5:09
